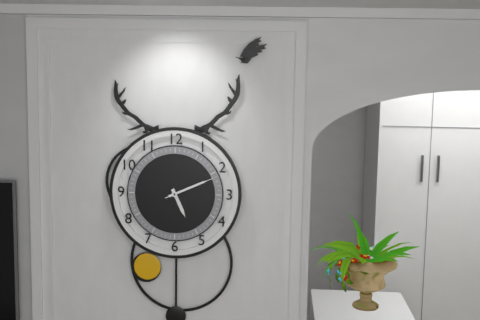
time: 5:11:11
